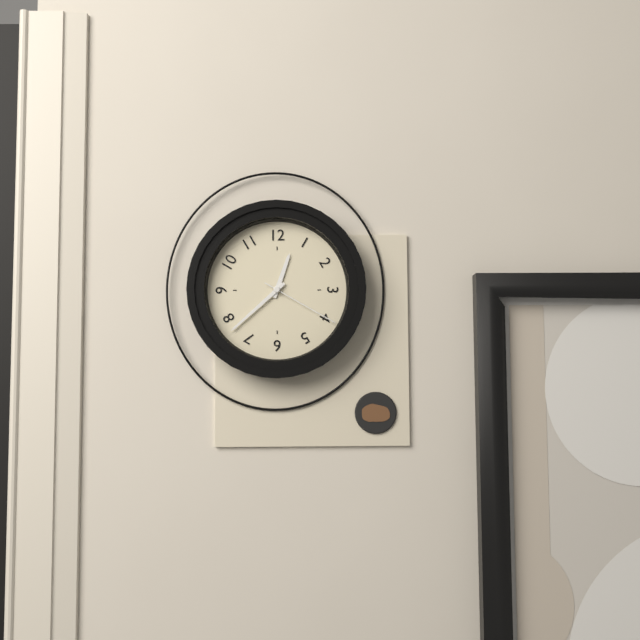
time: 12:38:20
